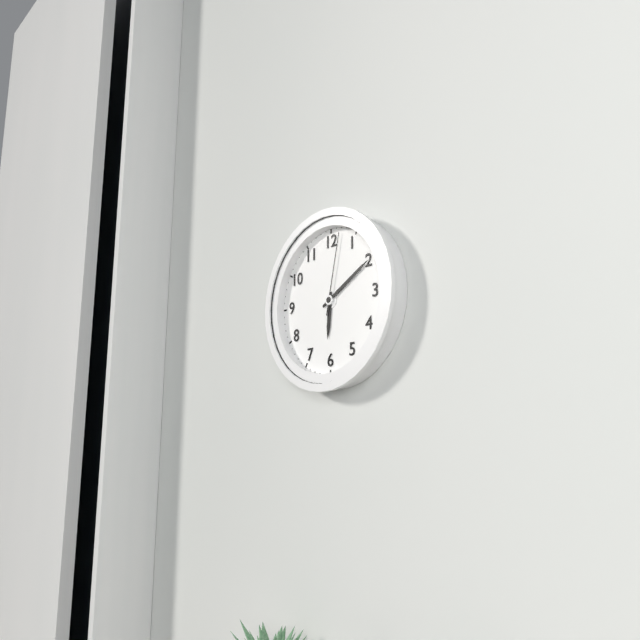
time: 6:10:02
